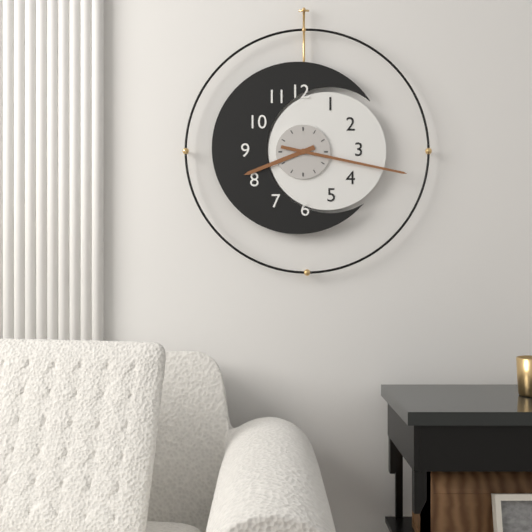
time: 8:17
